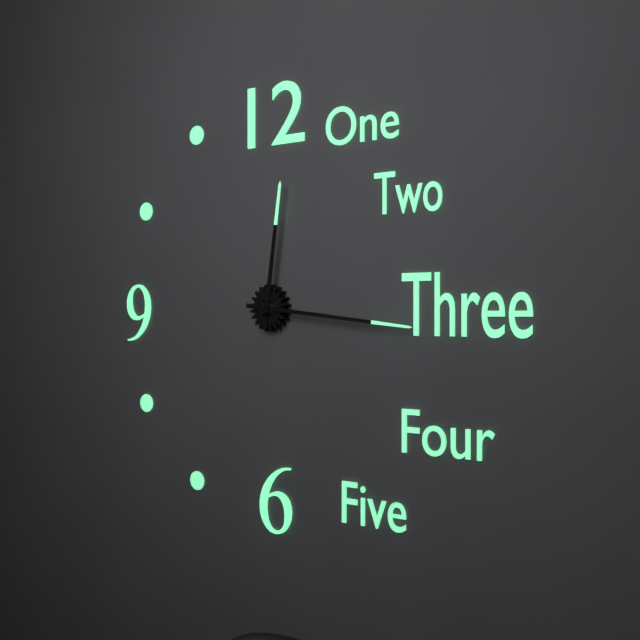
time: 12:16
